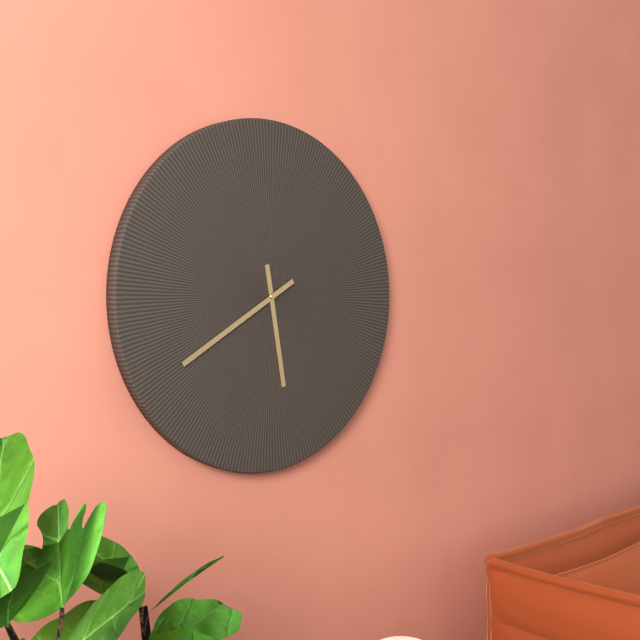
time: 5:40
